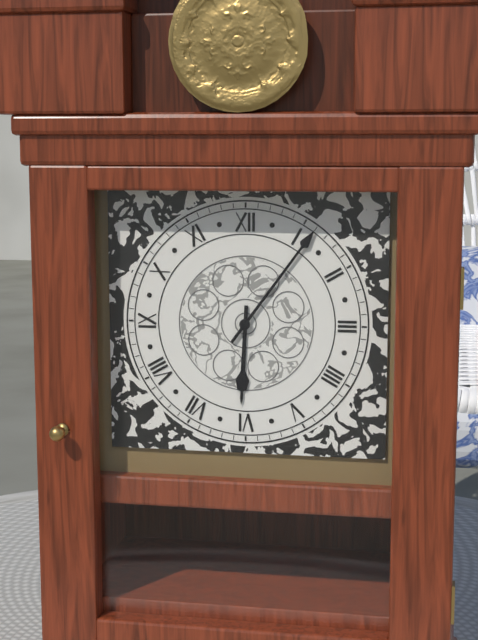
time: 6:06
